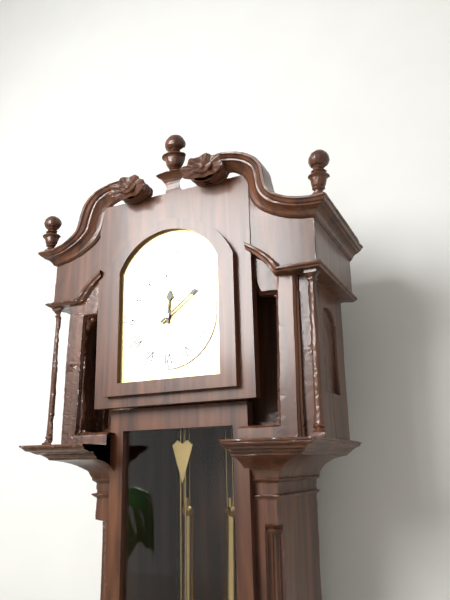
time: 12:09
